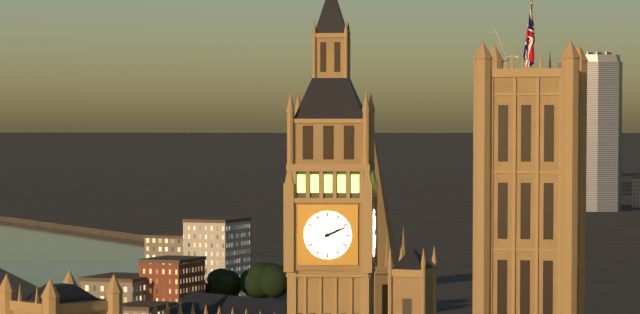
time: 2:11
